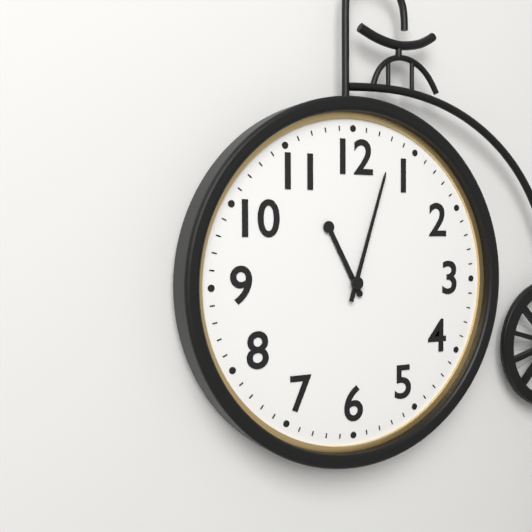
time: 11:03
